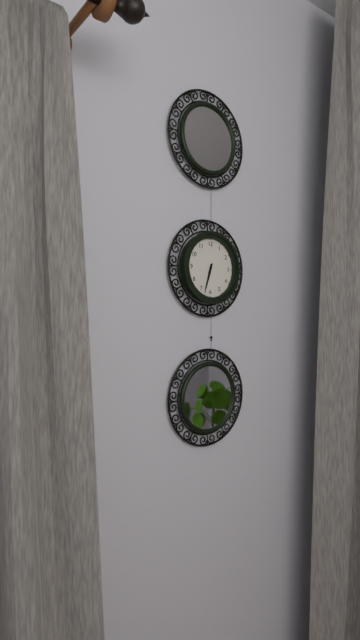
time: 6:33
